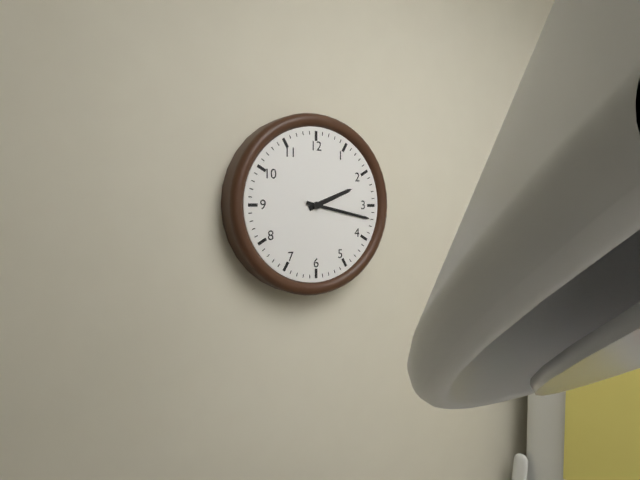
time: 2:17
